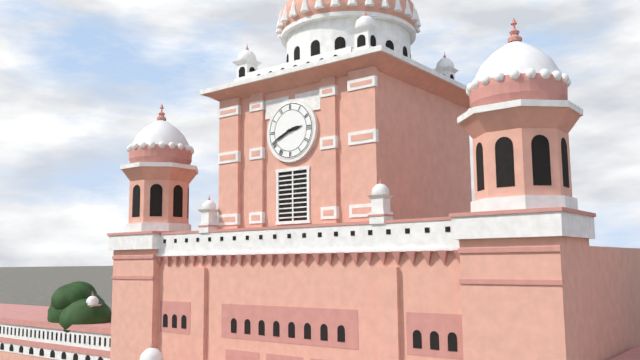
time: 2:41
